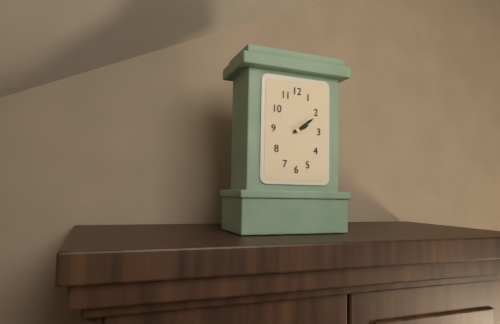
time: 2:09
